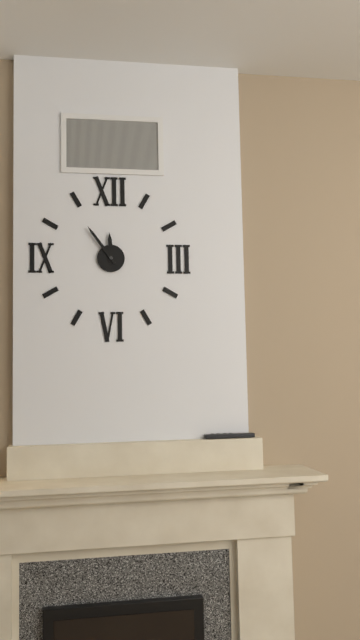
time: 11:54
